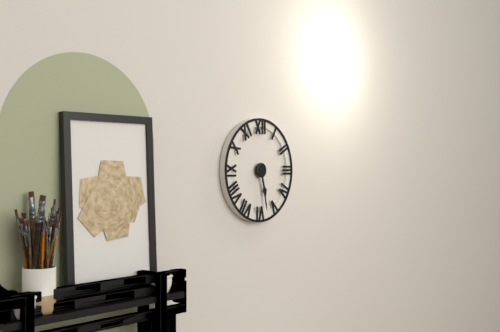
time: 5:28
